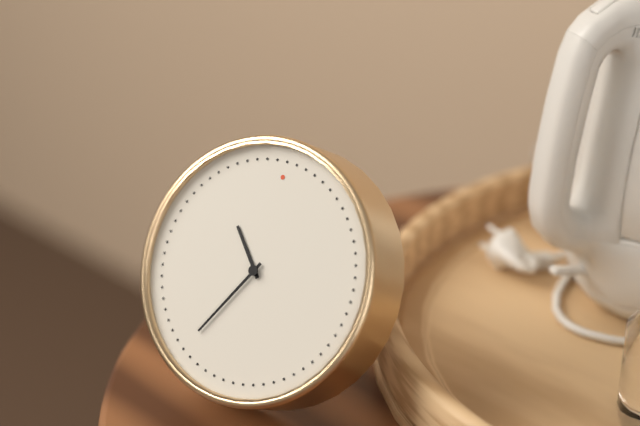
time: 10:35
